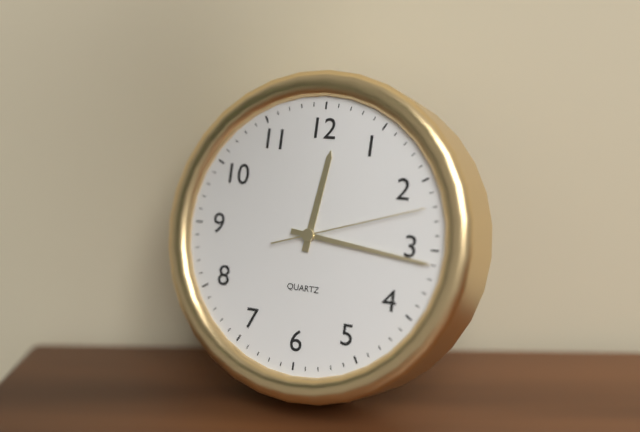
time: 12:16:12
